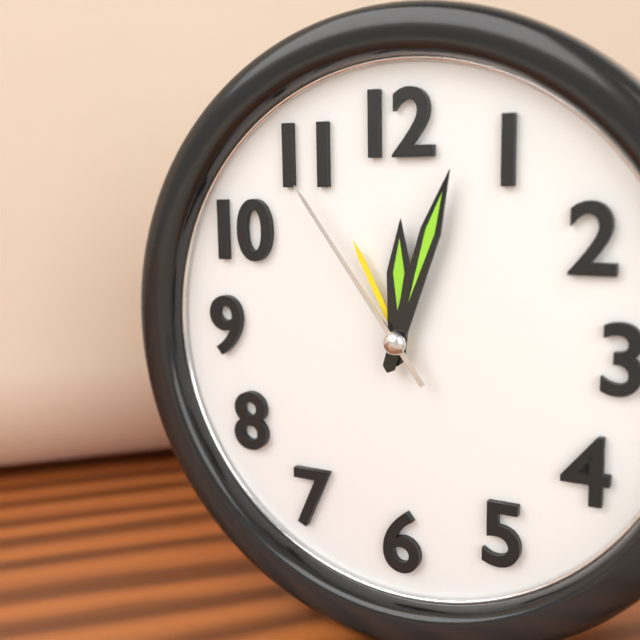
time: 12:03:54
